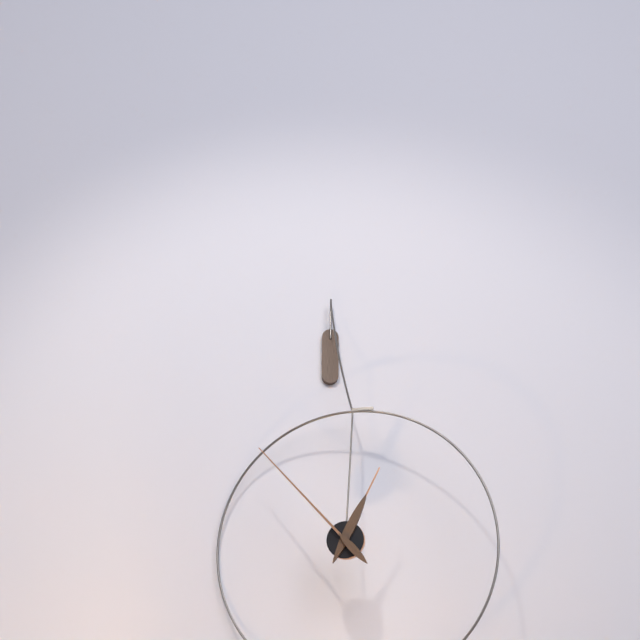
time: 12:53
